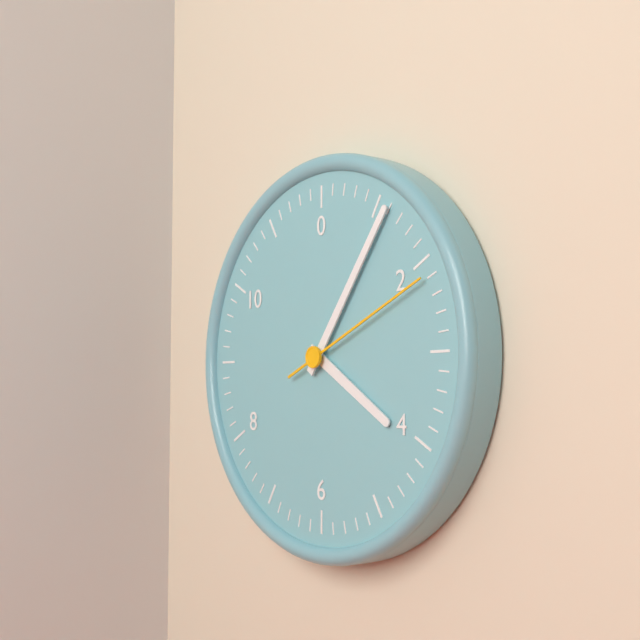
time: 4:06:11
